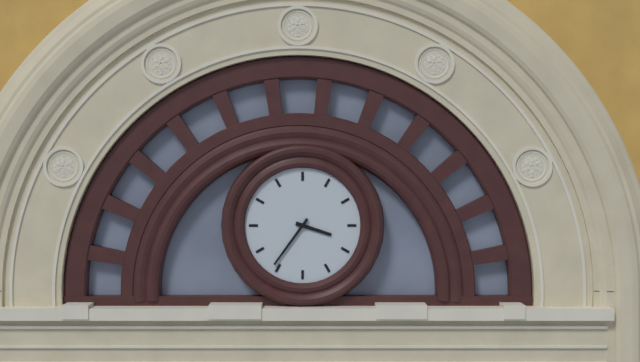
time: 3:36
